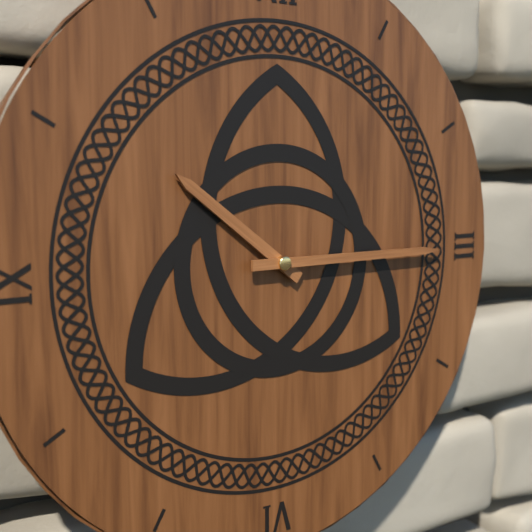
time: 10:15
